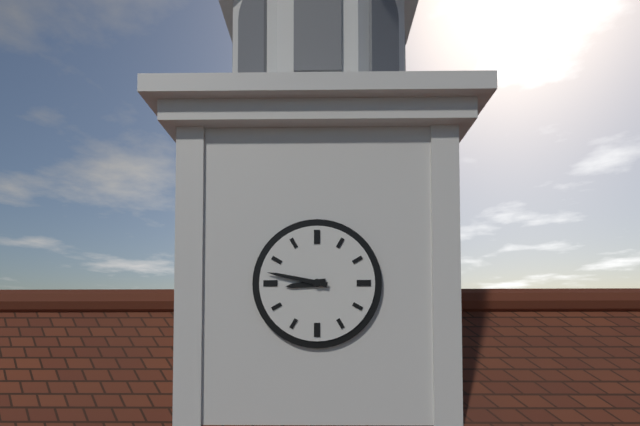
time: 8:47
